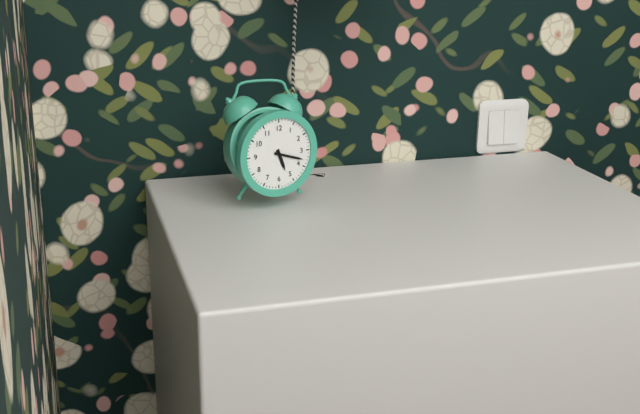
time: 5:18
